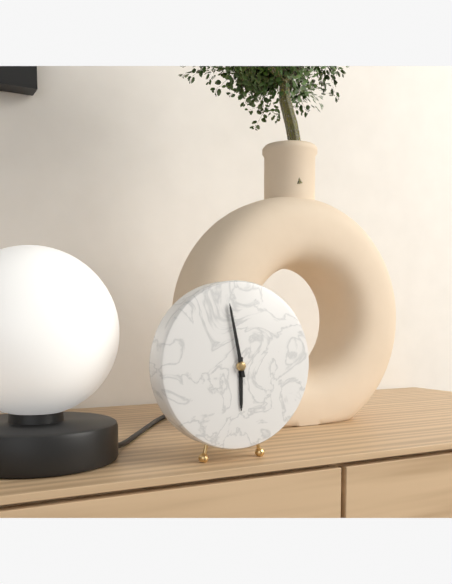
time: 5:58
